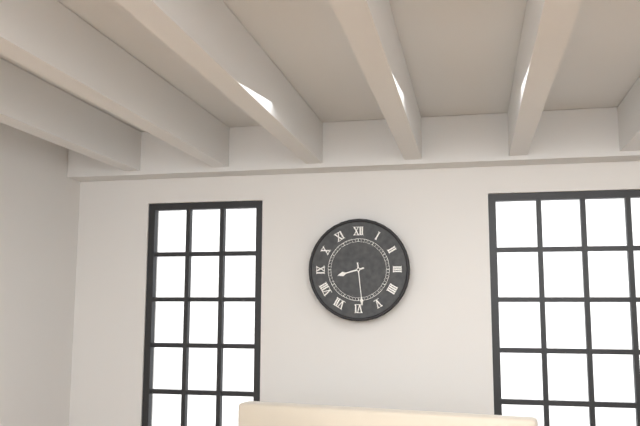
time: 8:29
